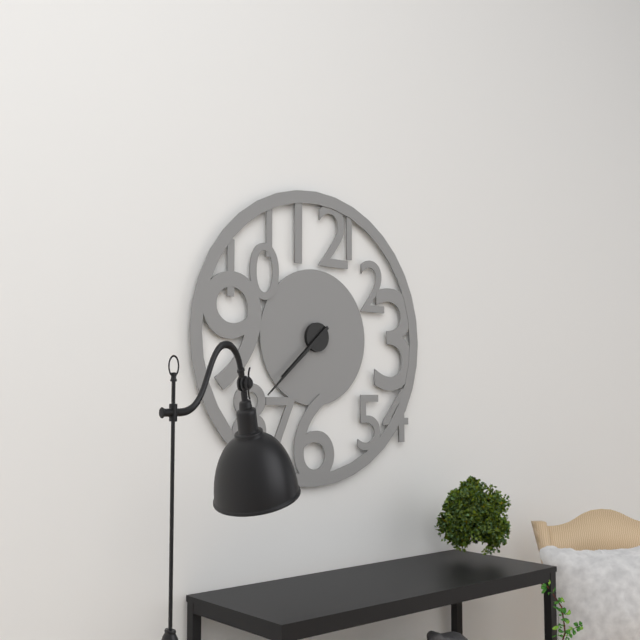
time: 7:38
